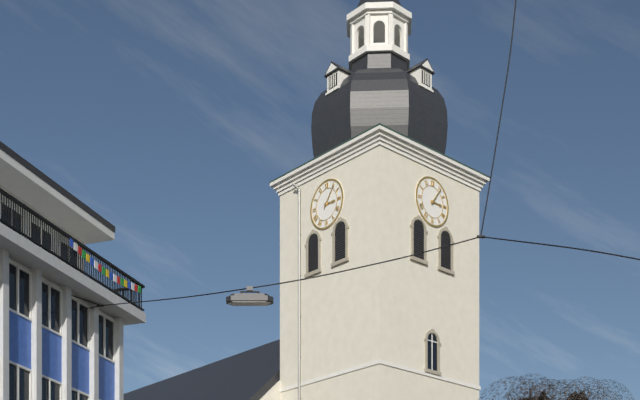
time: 3:06
